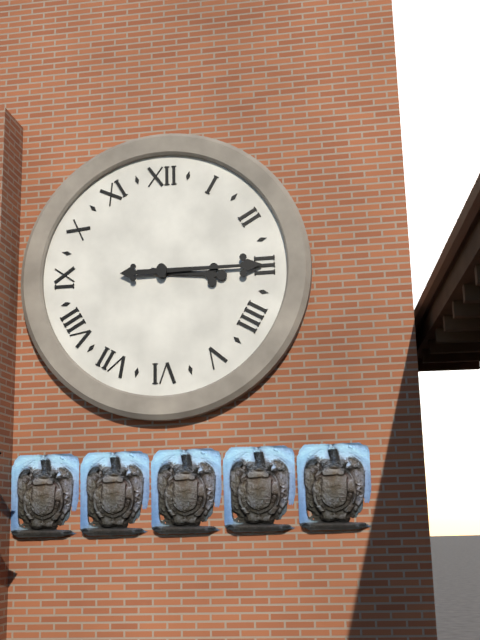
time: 3:15
